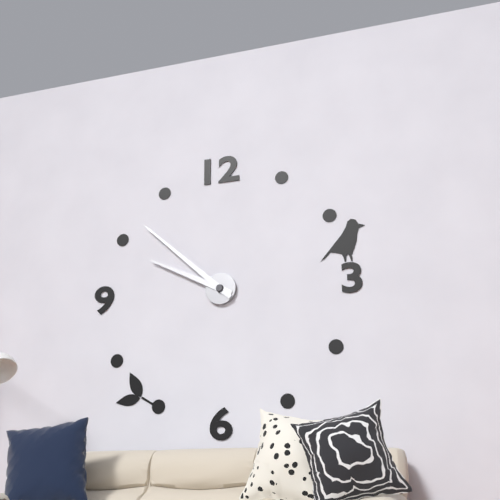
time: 9:52
